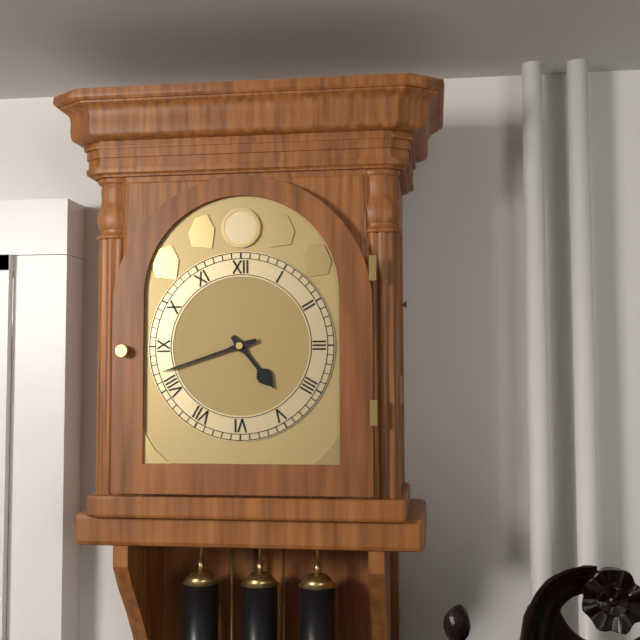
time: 4:42
